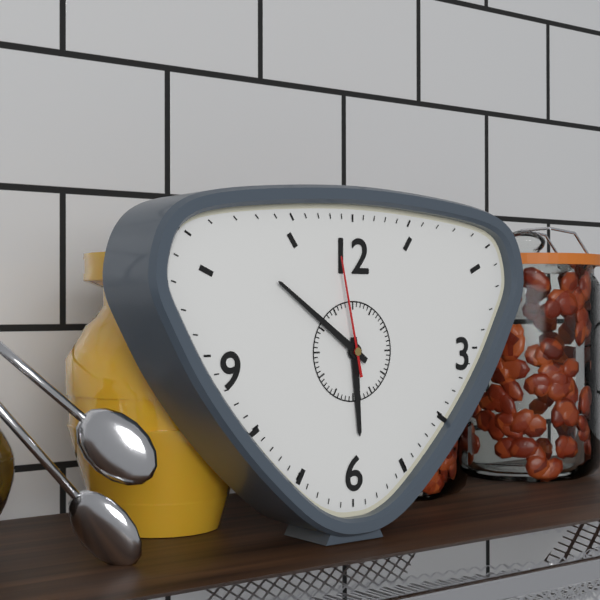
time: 5:51:58
